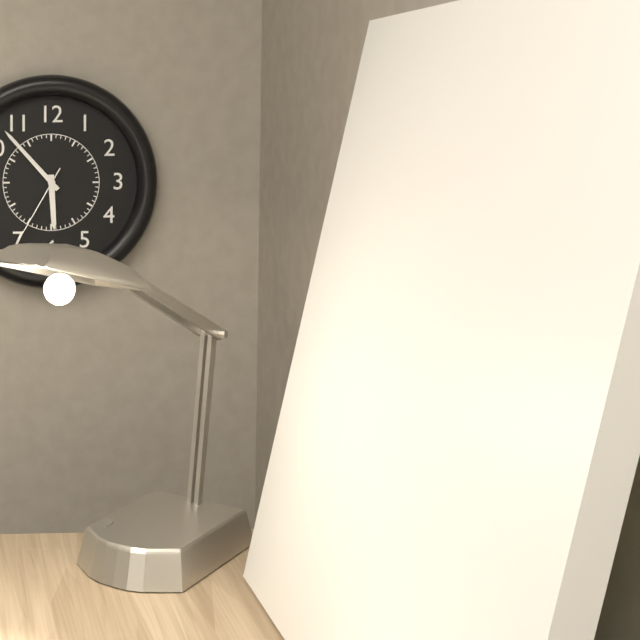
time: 5:53:35
